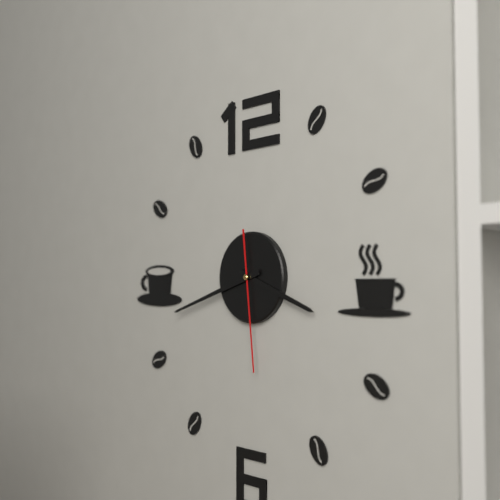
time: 3:42:29
